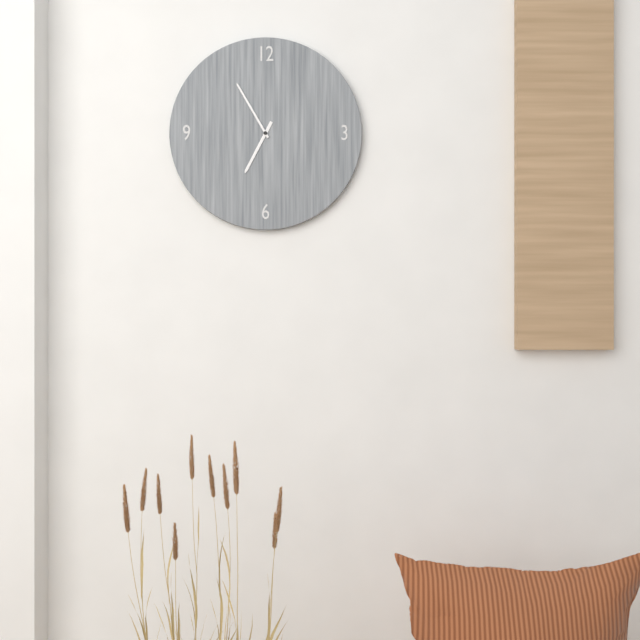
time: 6:55
